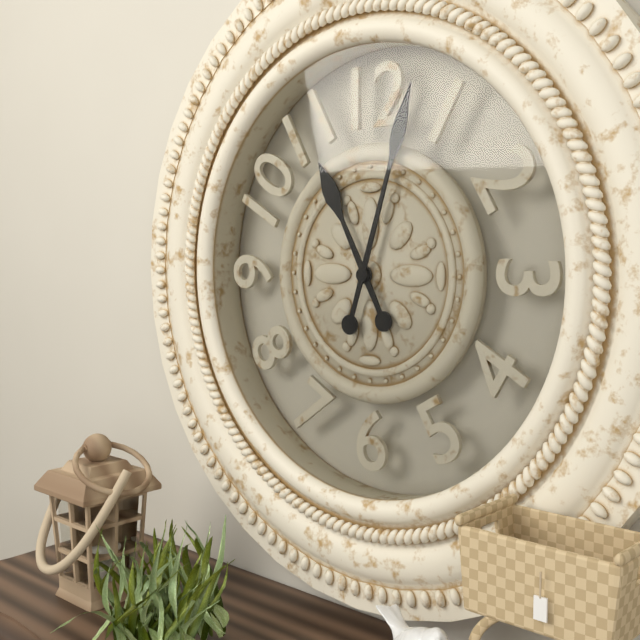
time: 11:03
